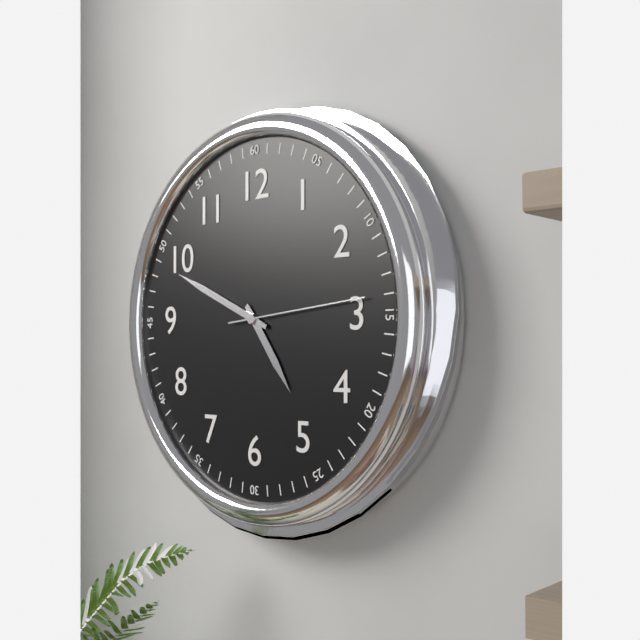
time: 4:49:14
